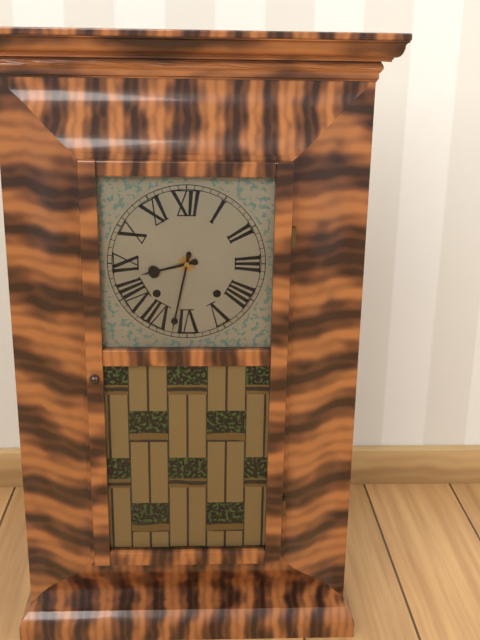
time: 8:32
